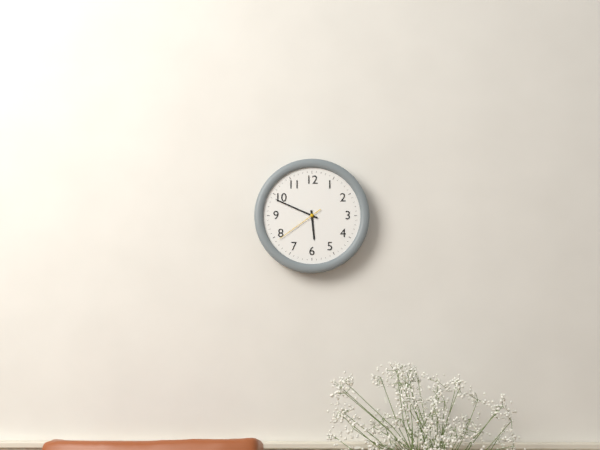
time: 5:49:39
